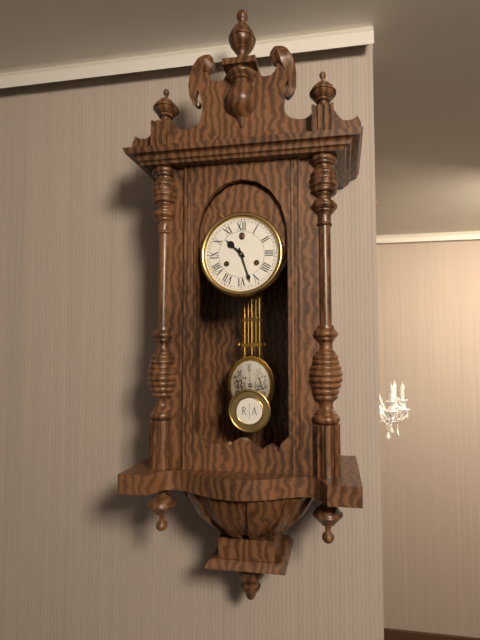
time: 10:27
